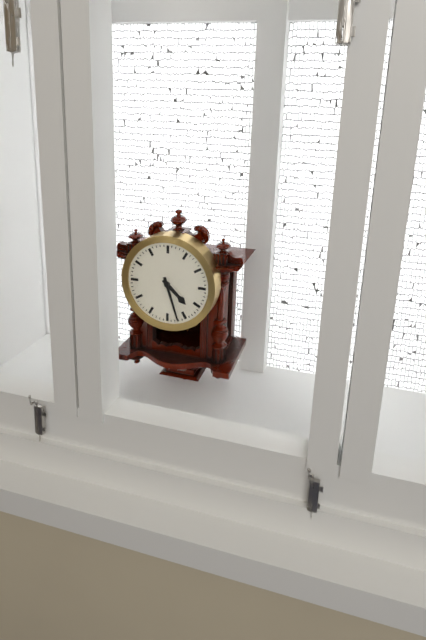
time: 4:27
